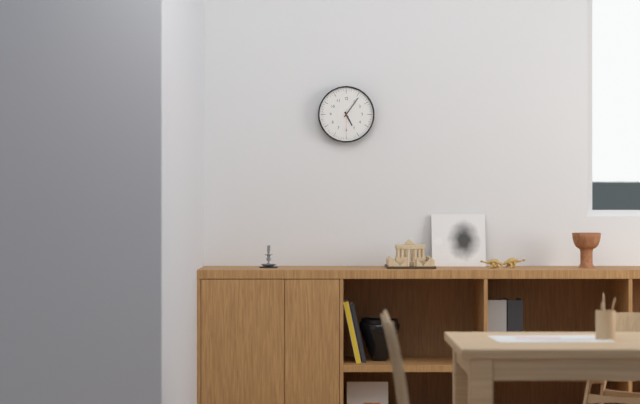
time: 5:06
